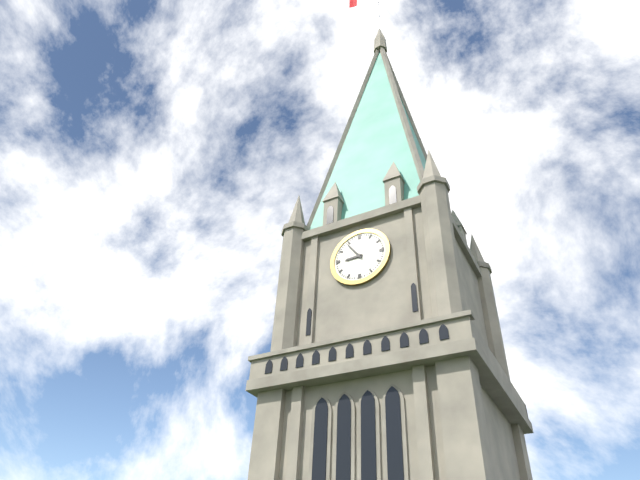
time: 8:54
